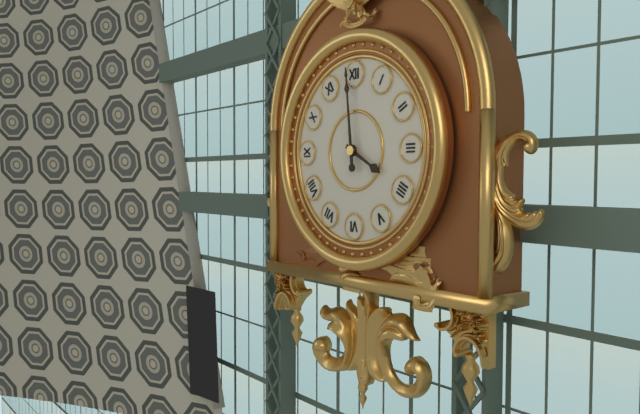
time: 3:59
